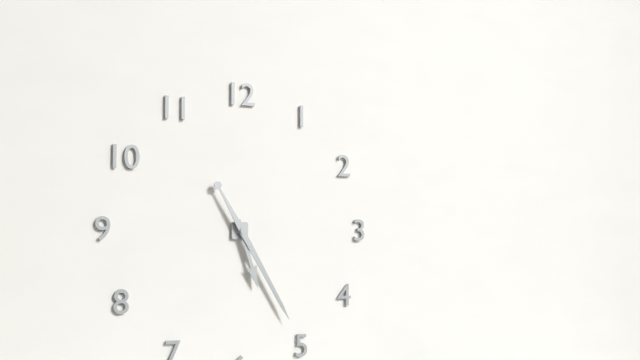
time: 5:25
